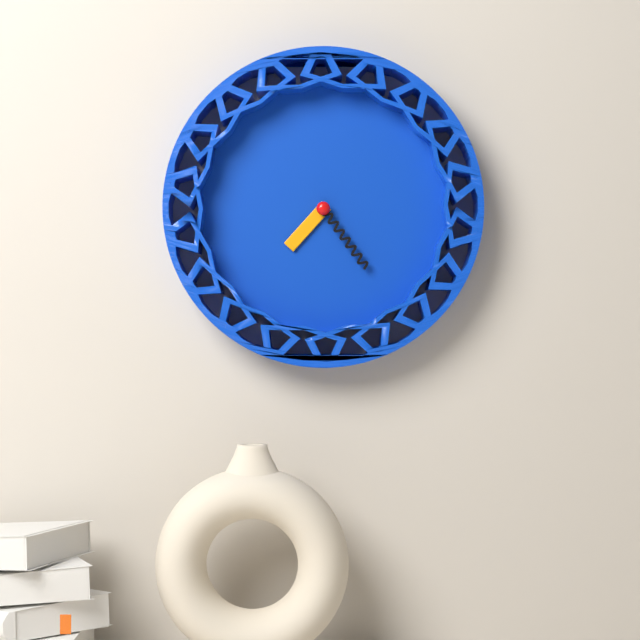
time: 7:24
